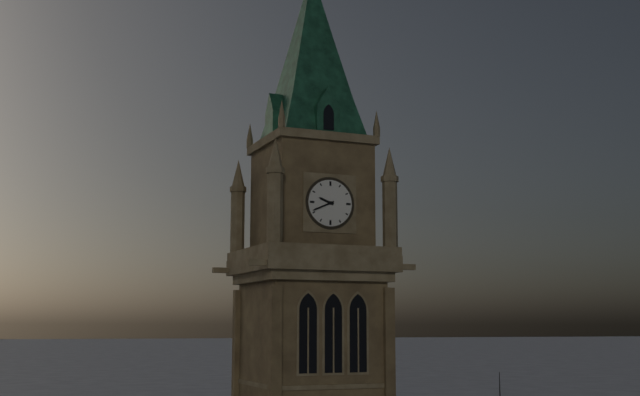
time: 9:41
